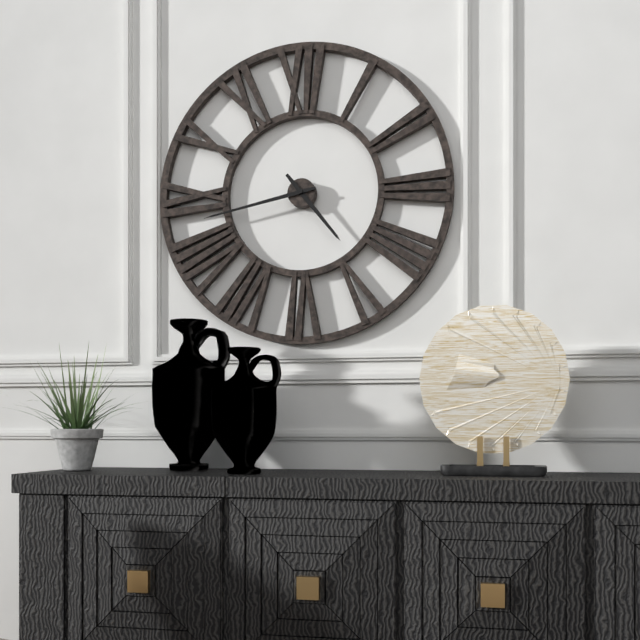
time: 4:43
